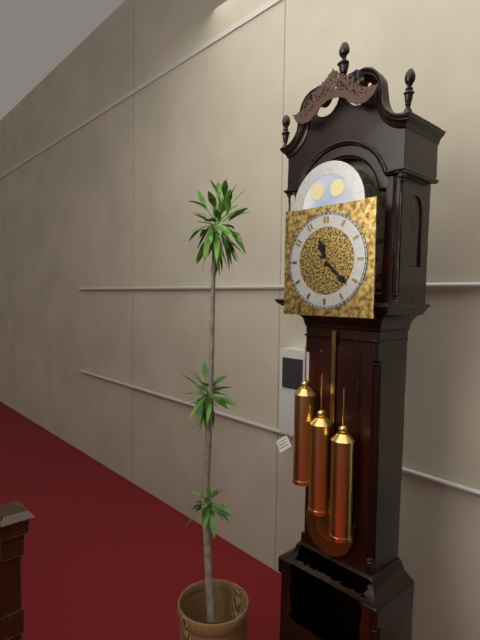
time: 11:22
